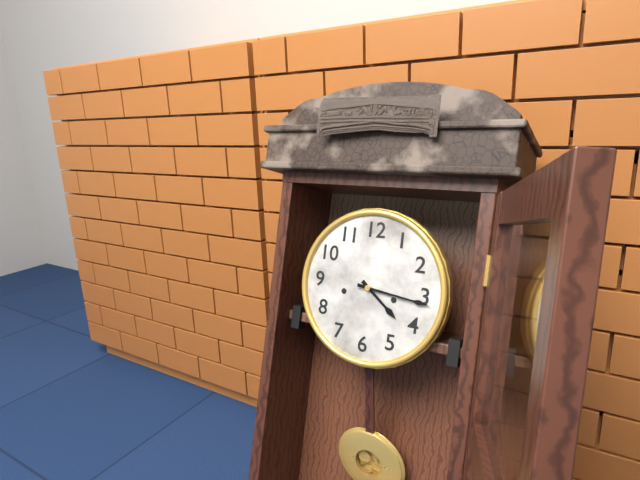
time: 4:16
